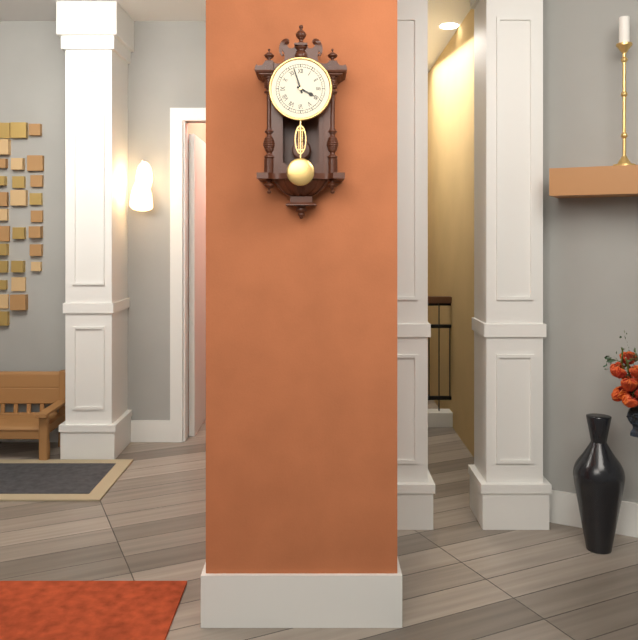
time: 3:57
